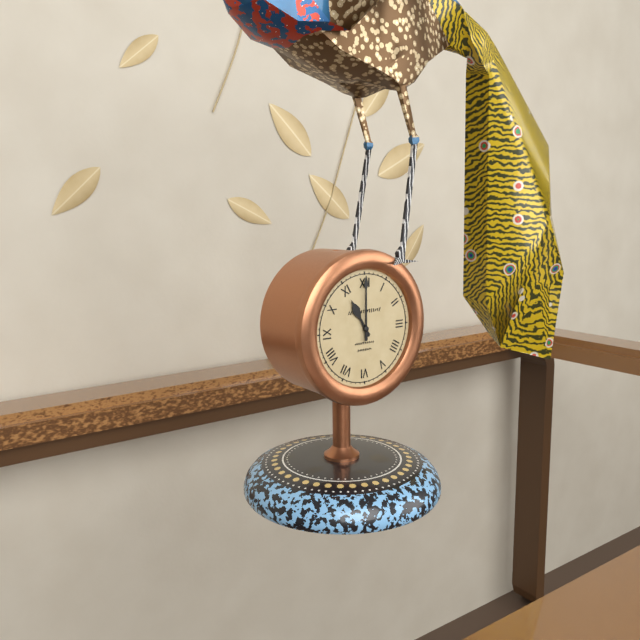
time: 11:00
